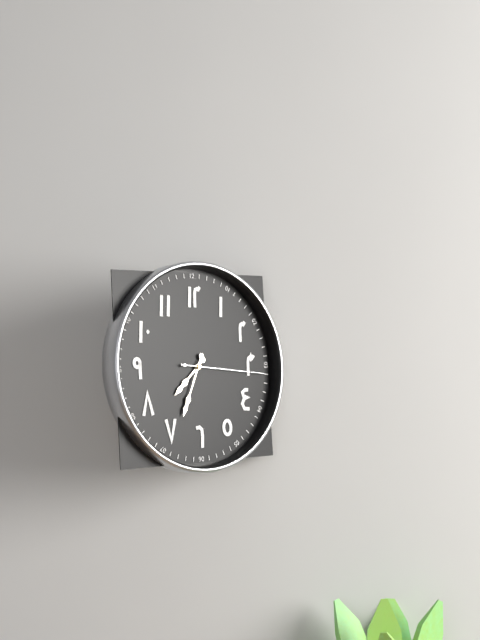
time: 7:34:16
